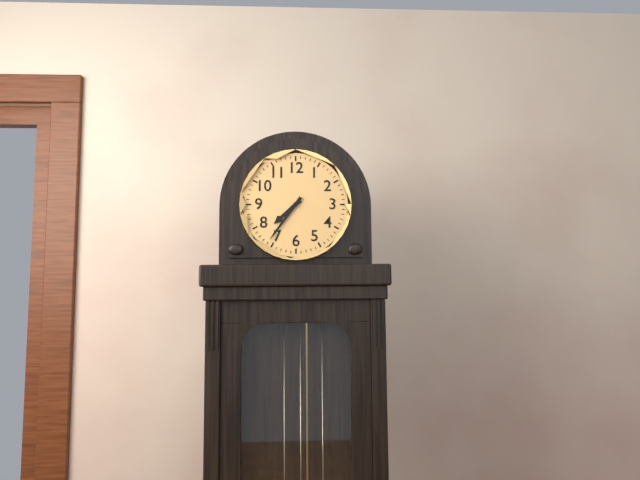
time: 7:36
